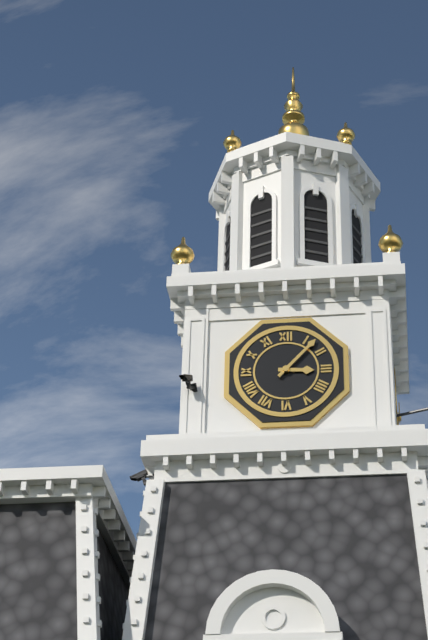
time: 3:07
